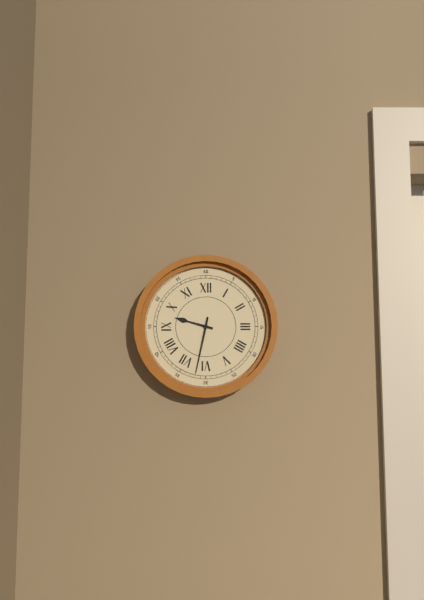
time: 9:32
